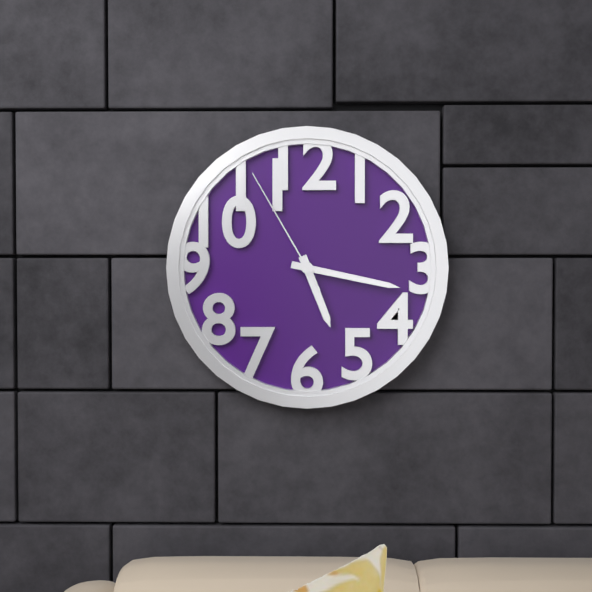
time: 5:17:55
